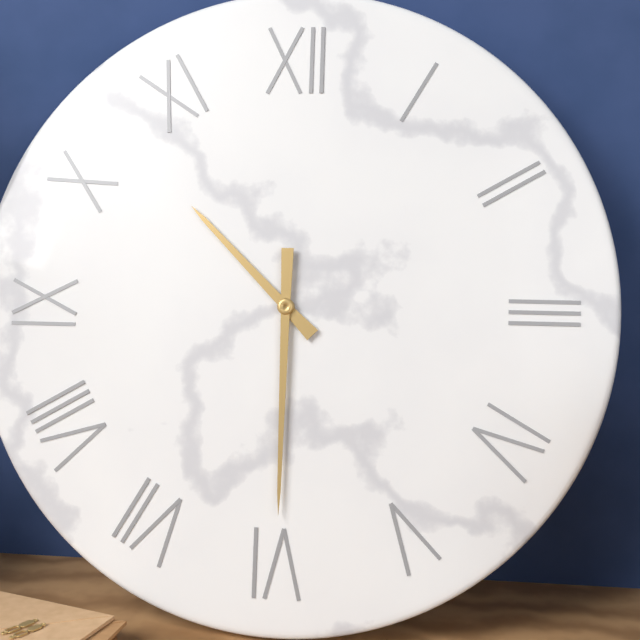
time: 10:30
